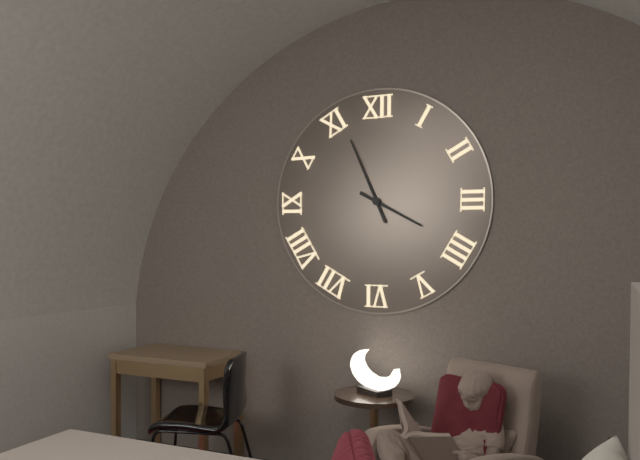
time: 3:56
